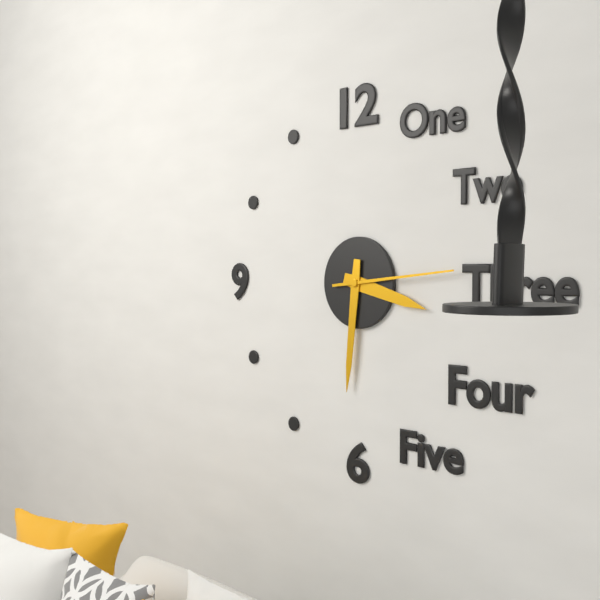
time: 3:31:14
